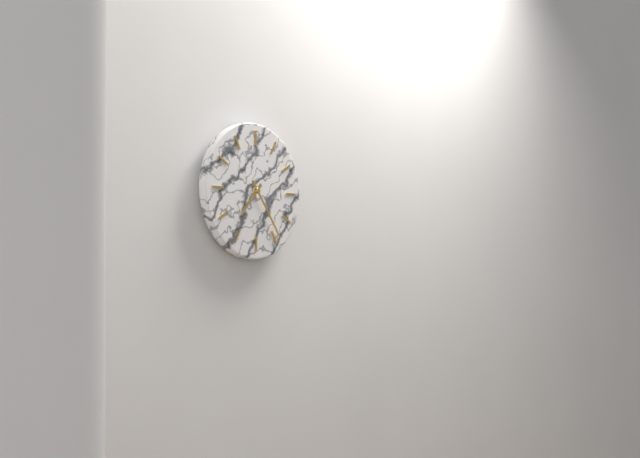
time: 7:24
